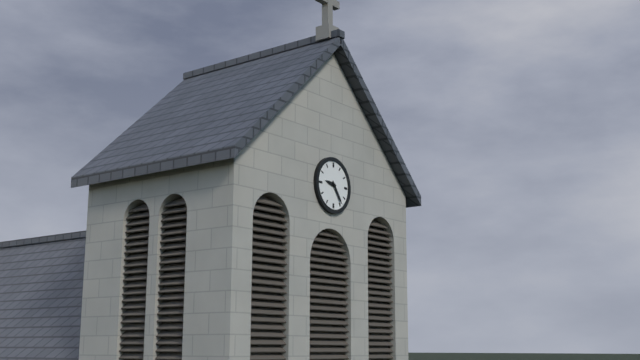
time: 9:24
